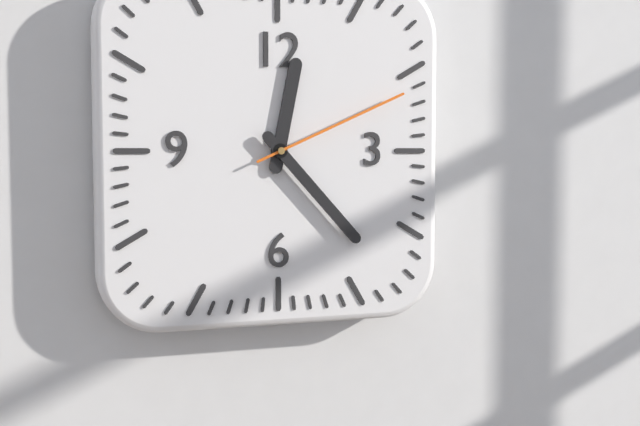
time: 12:23:11
